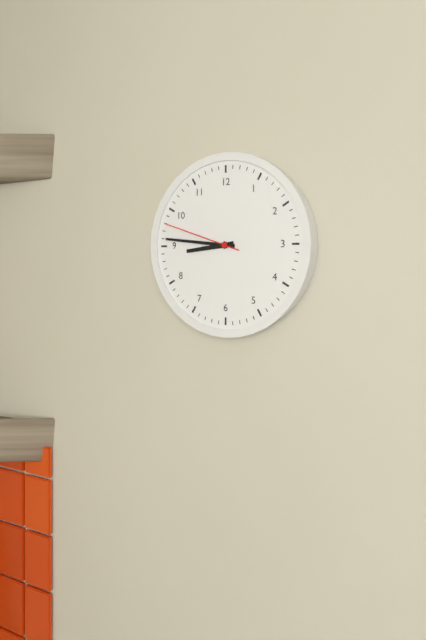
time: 8:46:48
